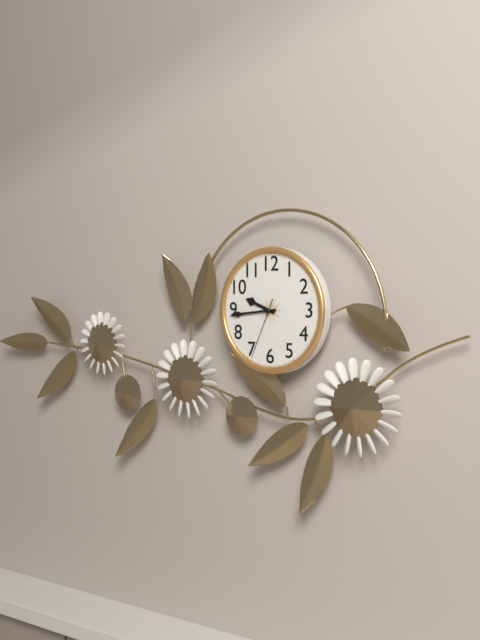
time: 9:44:34
